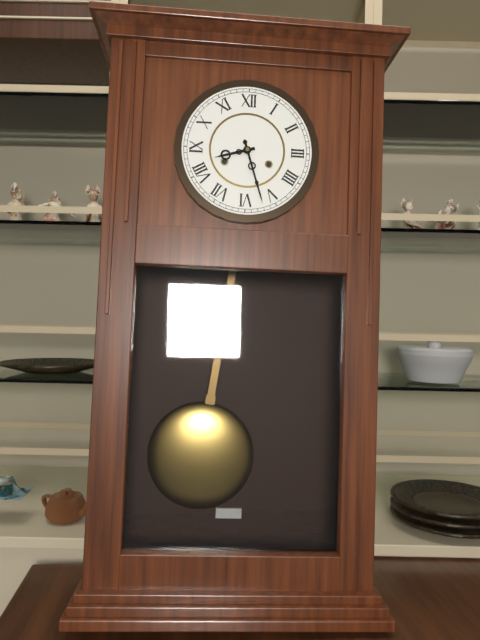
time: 8:27
